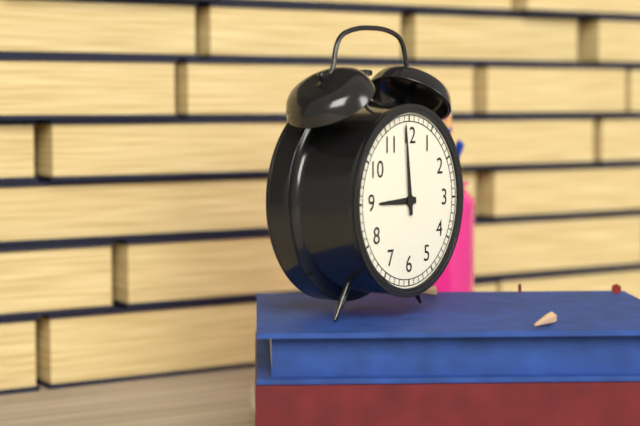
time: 8:59
